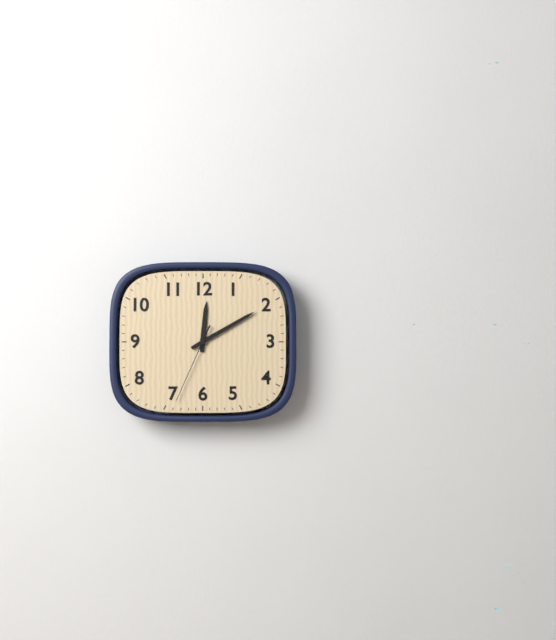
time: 12:10:34
